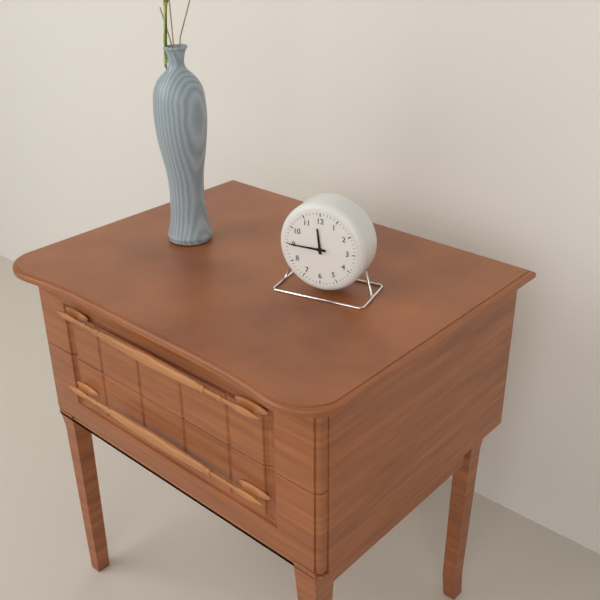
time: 11:45
